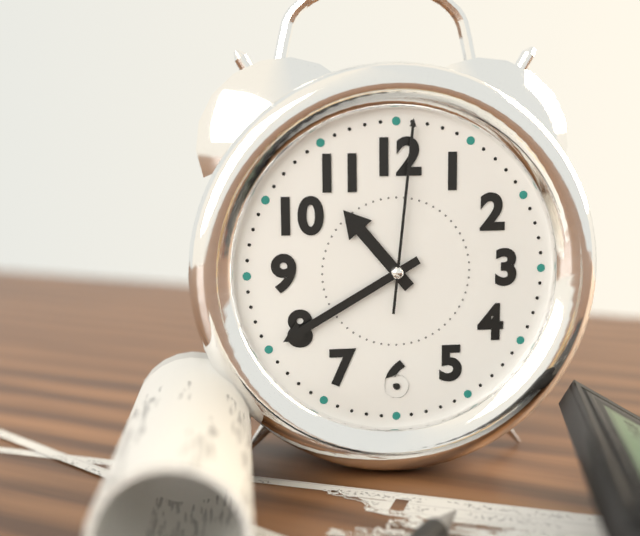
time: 10:40:01
